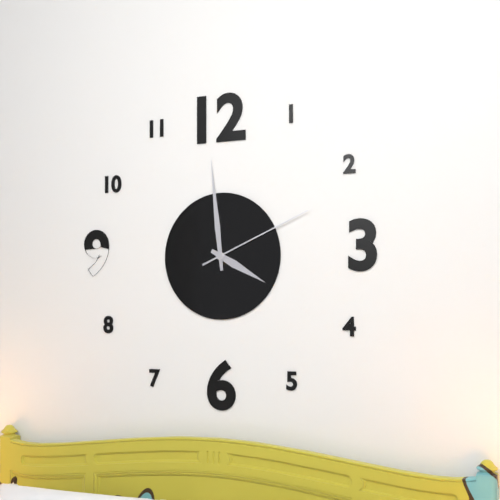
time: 3:59:11
